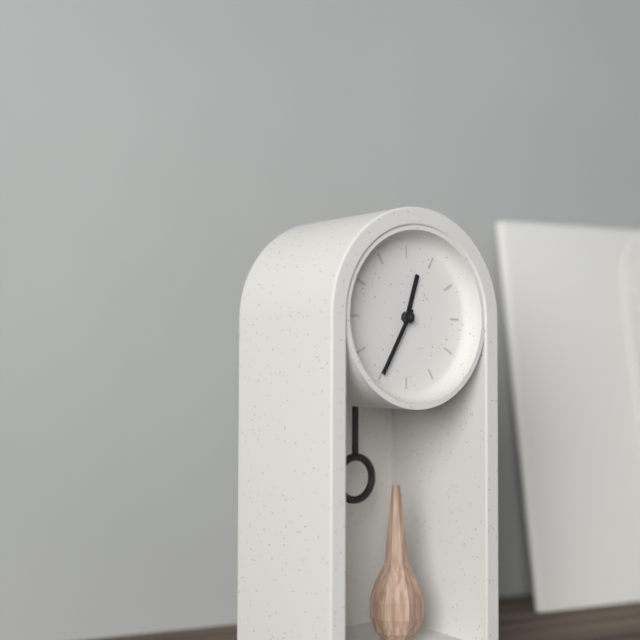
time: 12:35
